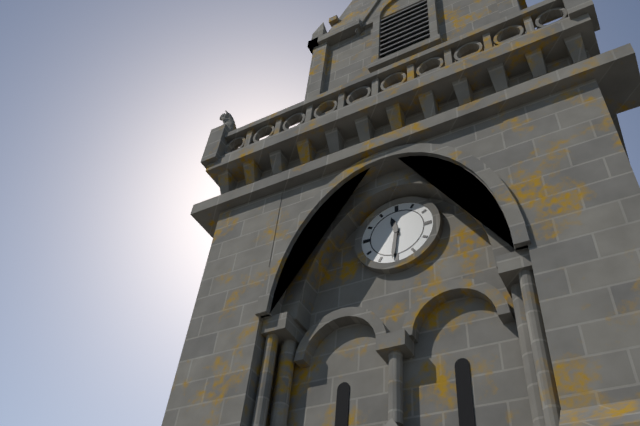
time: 11:31
